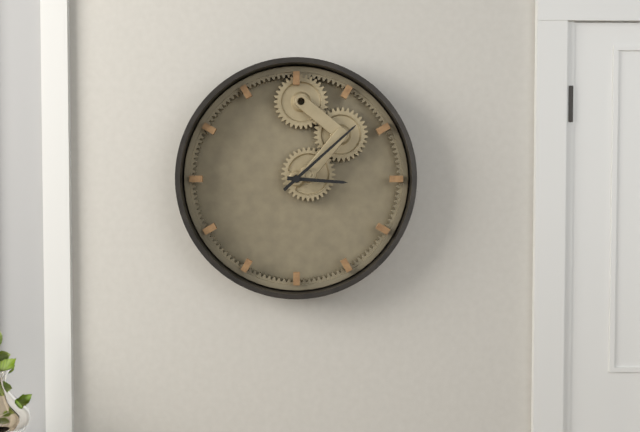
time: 3:08
